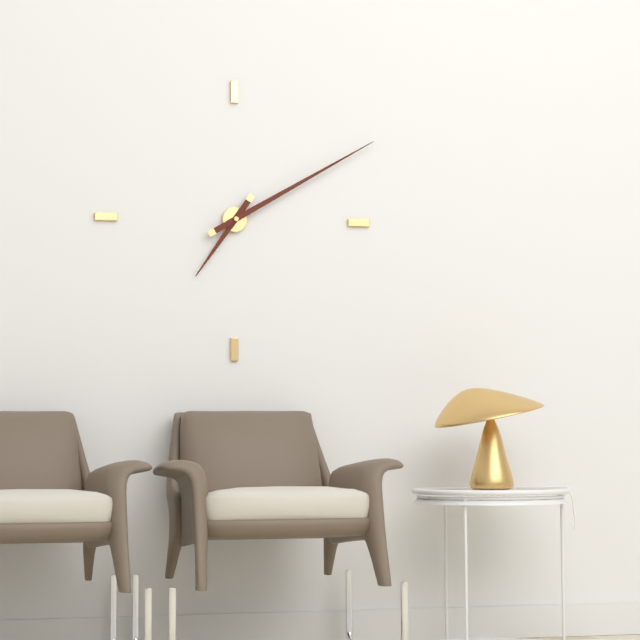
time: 7:10
